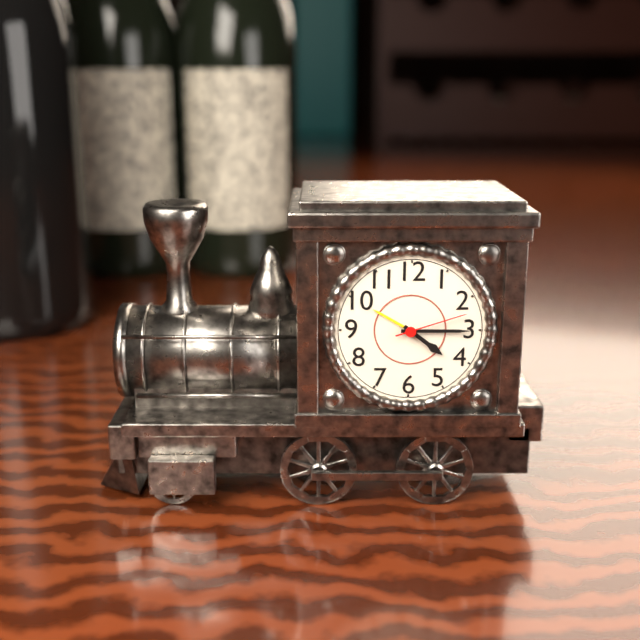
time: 4:15:12
